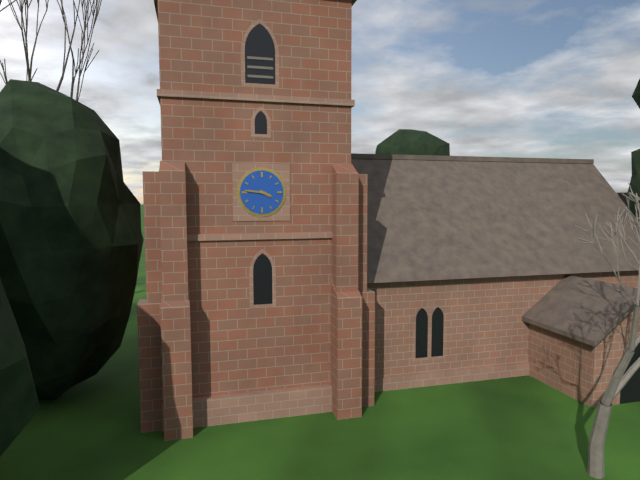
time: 3:46
